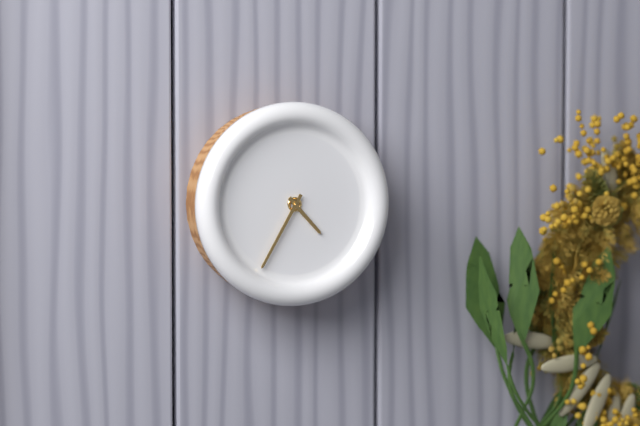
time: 4:35
